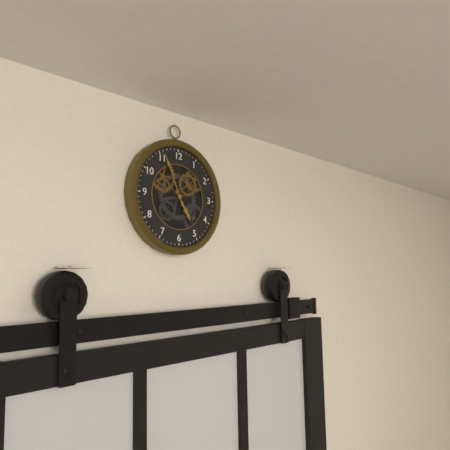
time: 4:56
